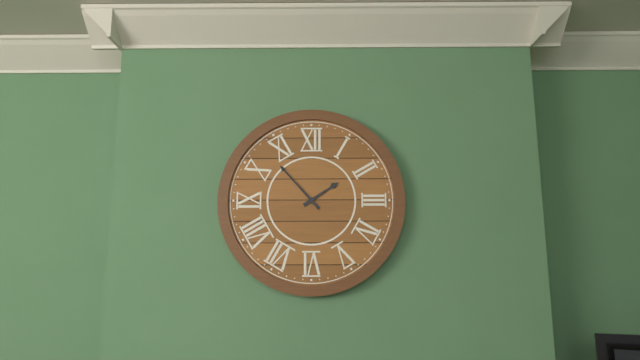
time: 1:53
